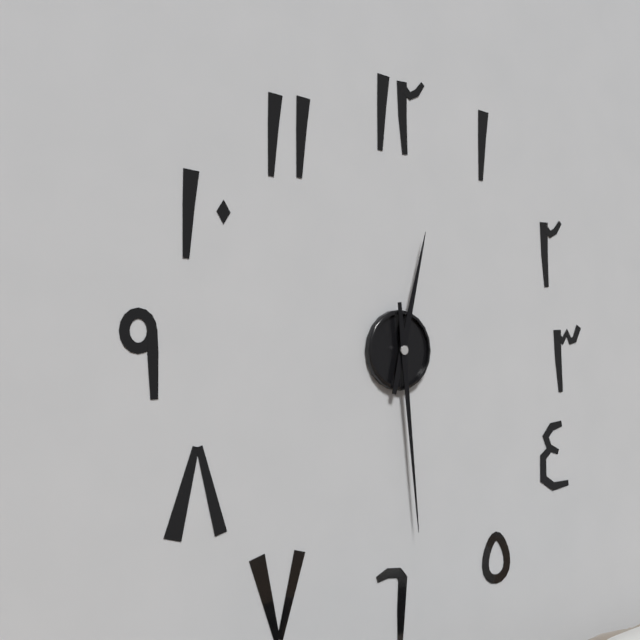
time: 12:29
